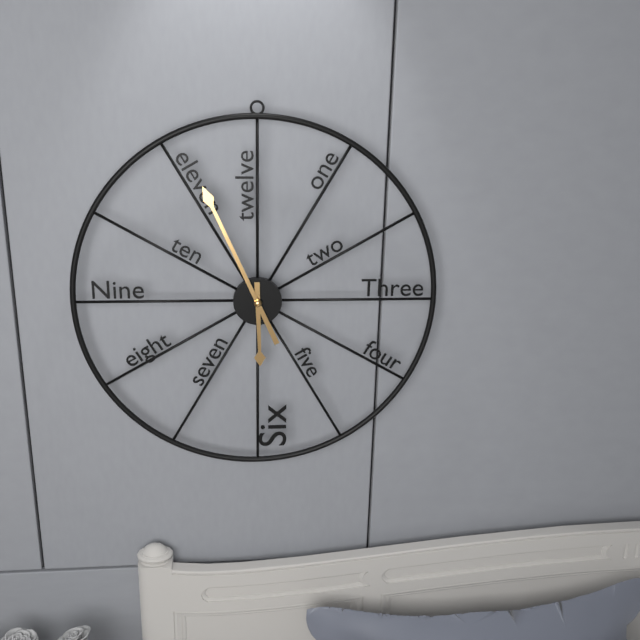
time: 5:56
